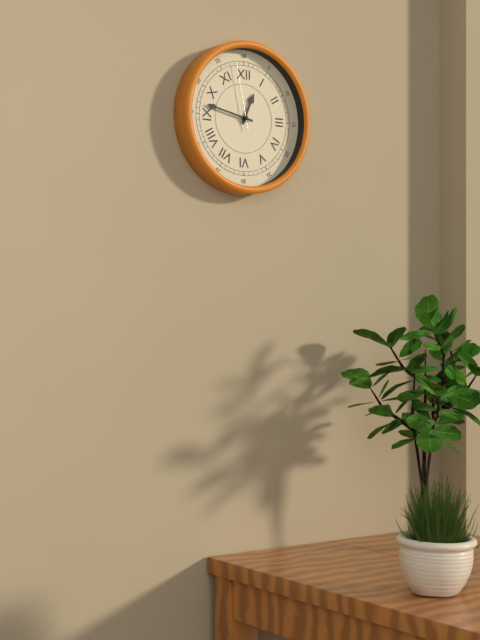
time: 12:47:58
